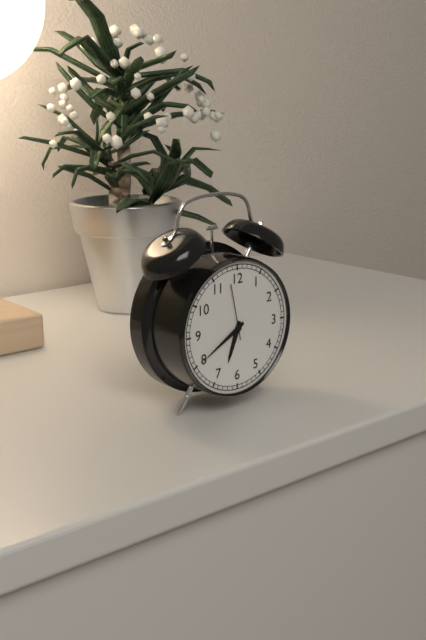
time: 6:40:58
